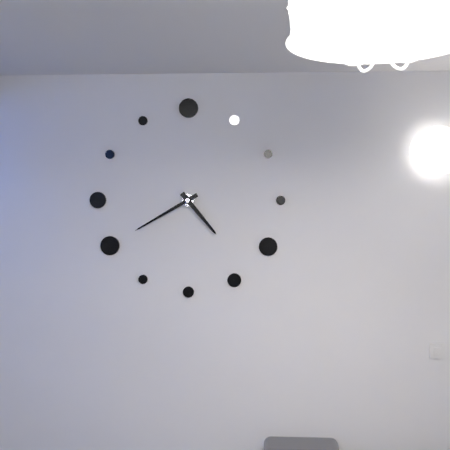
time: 4:40
